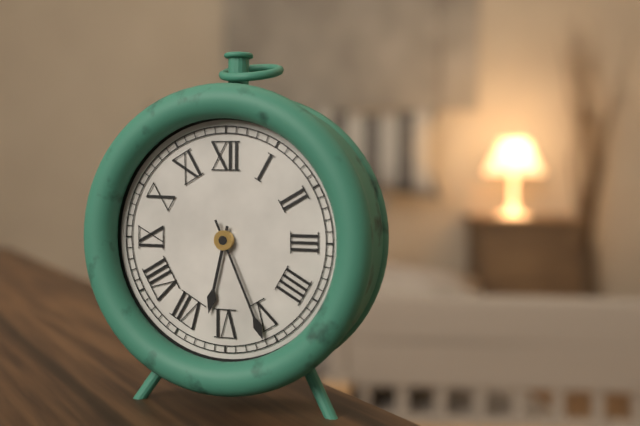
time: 6:26
